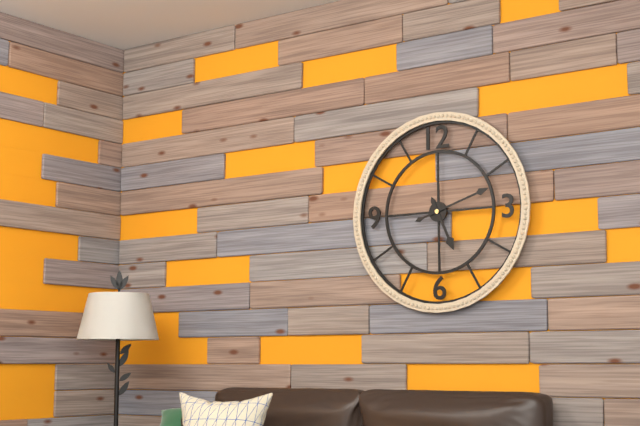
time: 5:12
